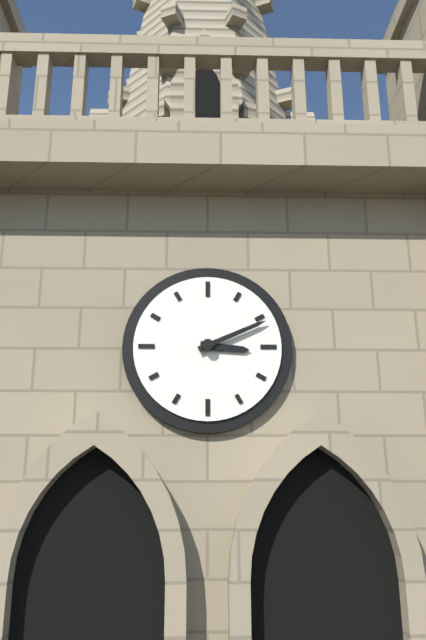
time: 3:11
